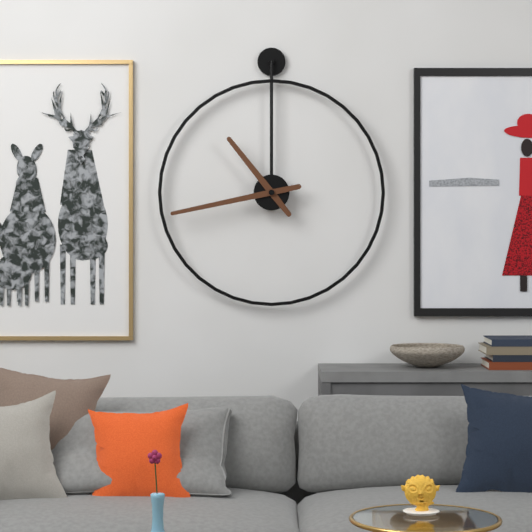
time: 10:43
